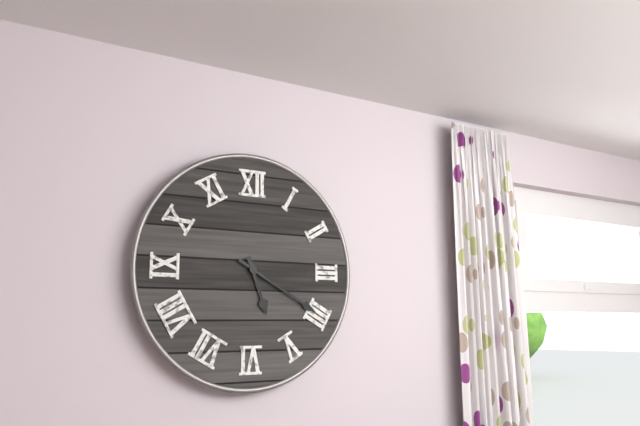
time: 5:20
